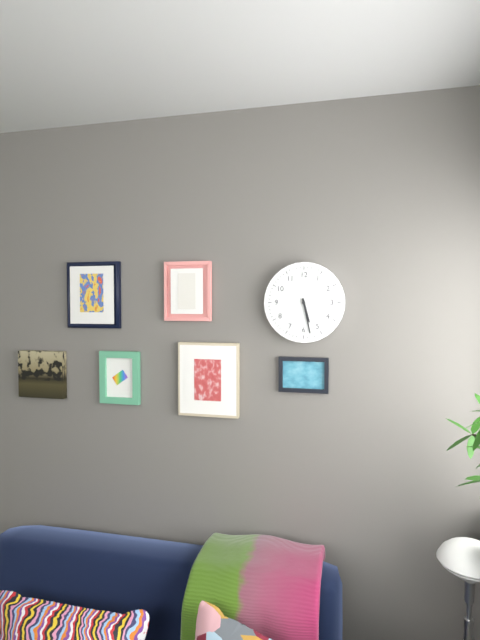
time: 5:28
